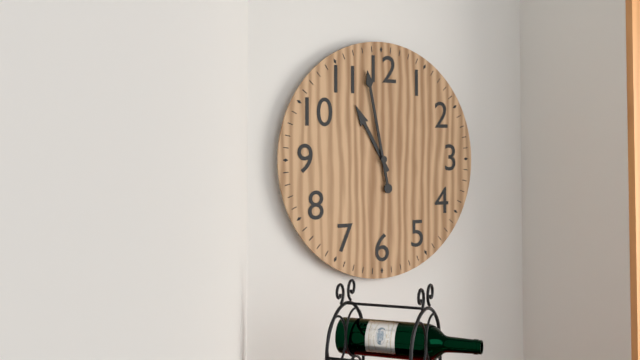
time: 10:58
